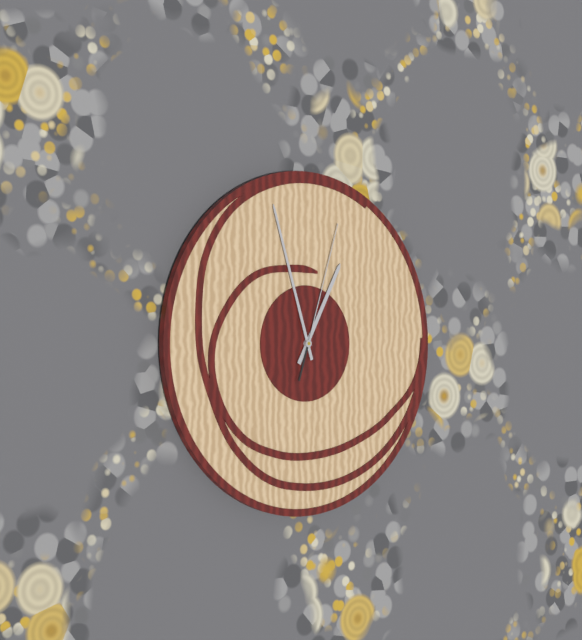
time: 12:57:03
